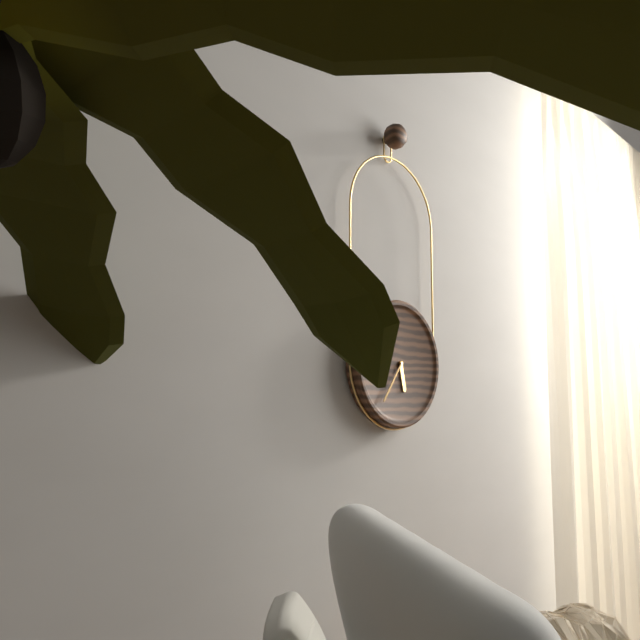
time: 5:36
